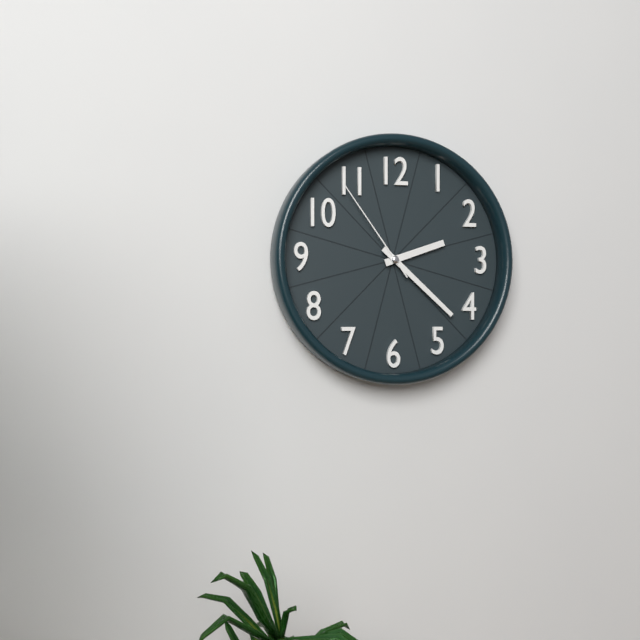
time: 2:22:54
